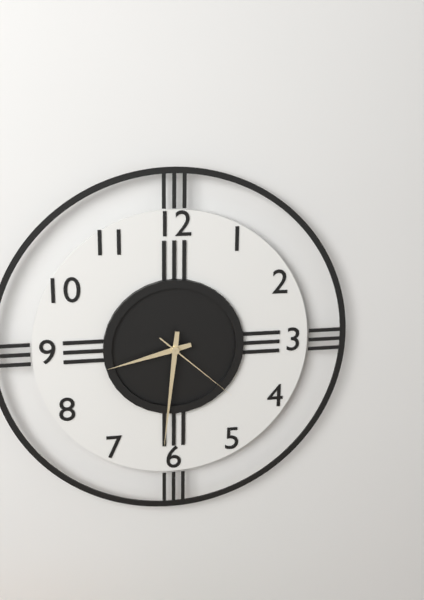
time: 8:31:22
